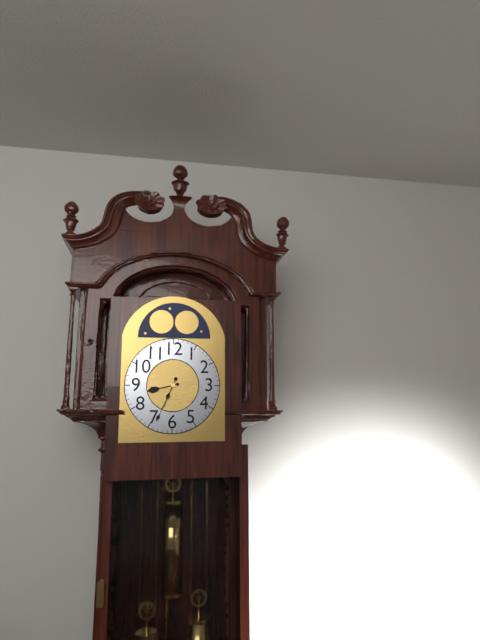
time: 8:34
